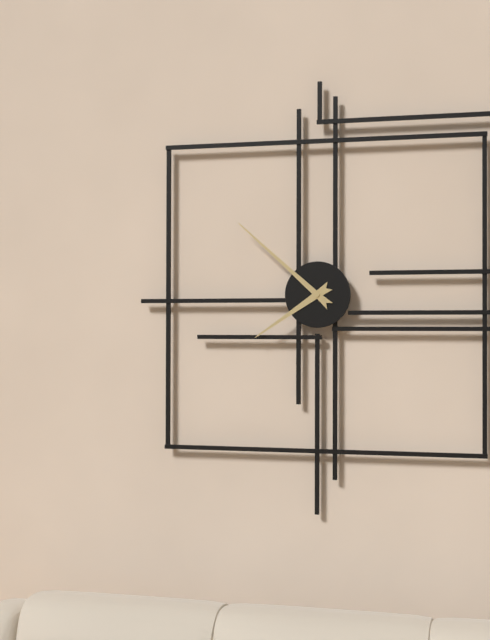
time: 7:52
